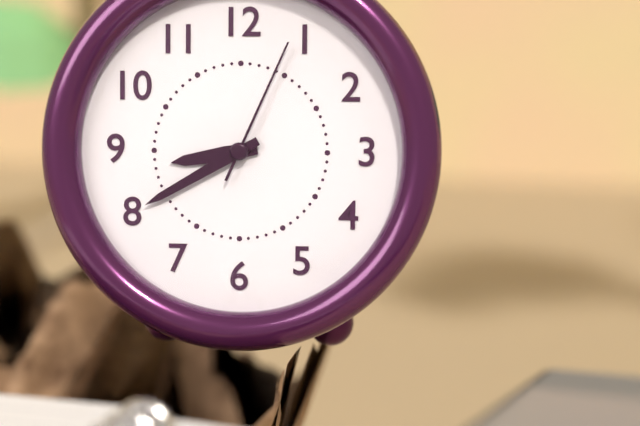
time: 8:40:04
